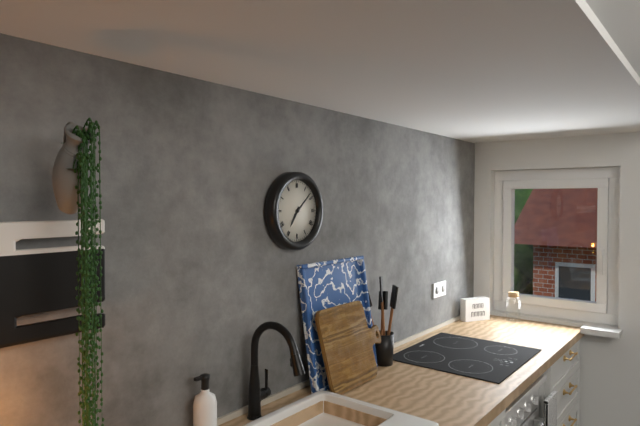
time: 7:08
